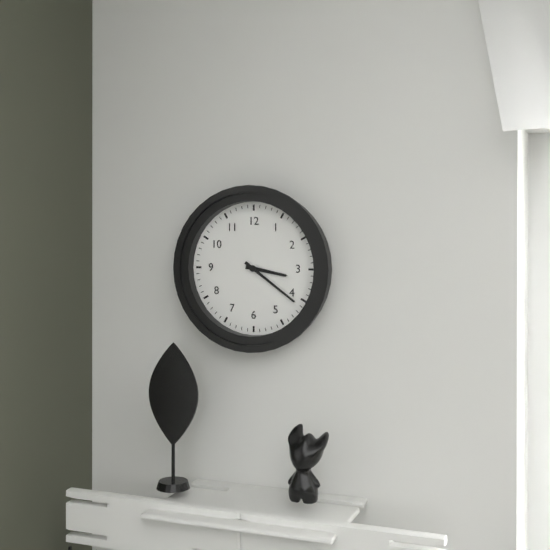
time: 3:21
